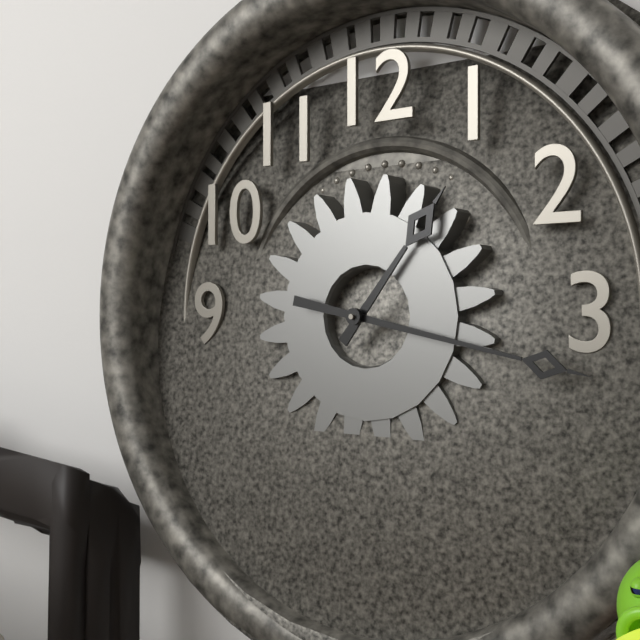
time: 1:17
